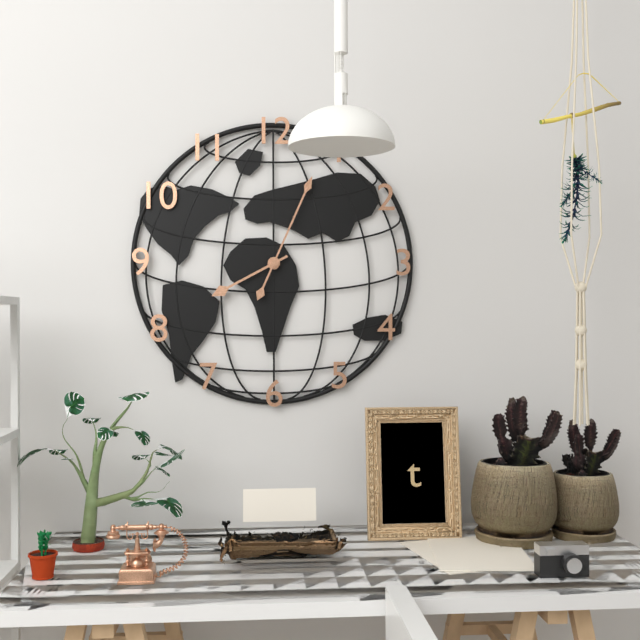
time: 8:04
